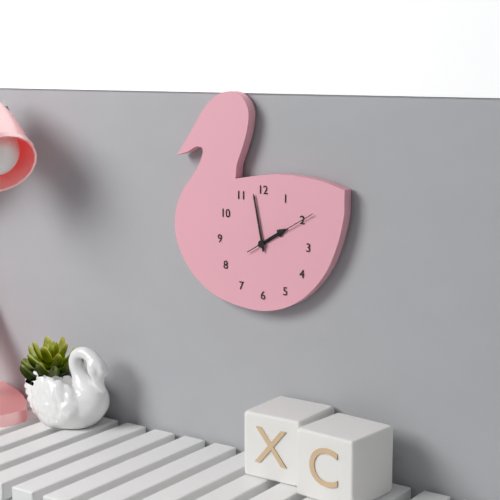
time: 1:58:10
